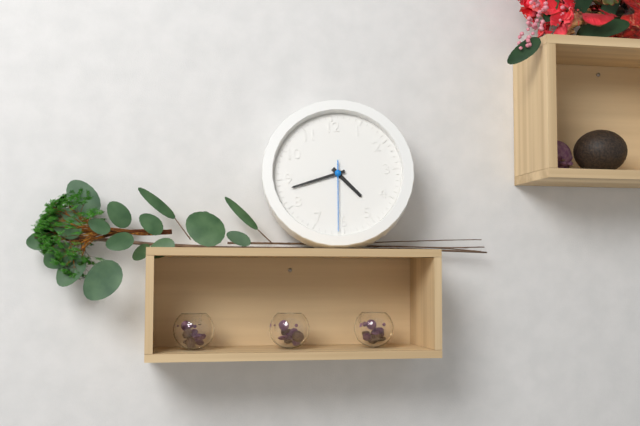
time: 4:43:31
